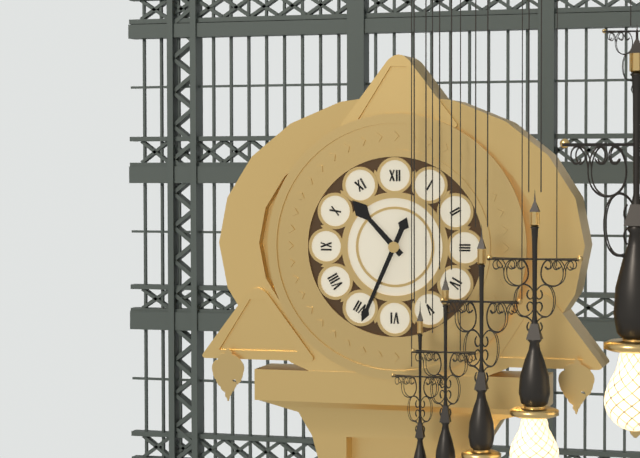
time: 10:34
